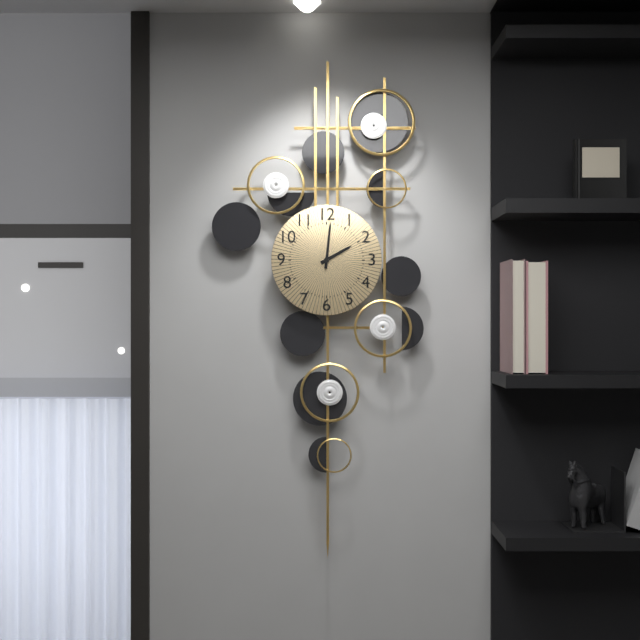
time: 2:01
